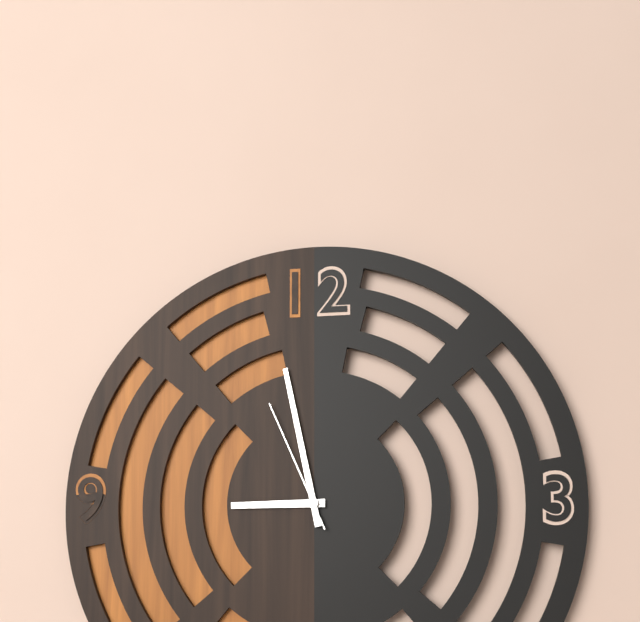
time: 8:58:56
